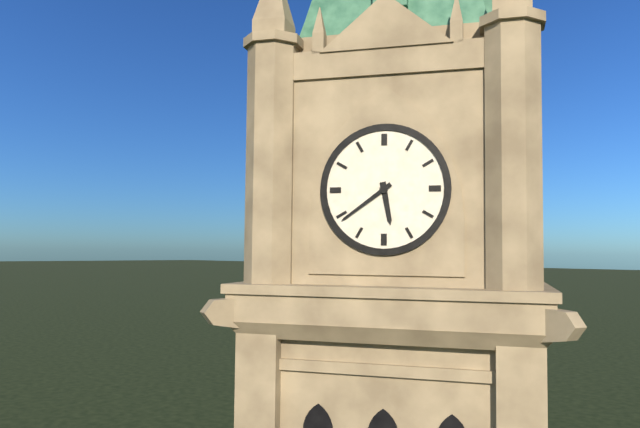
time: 5:39
